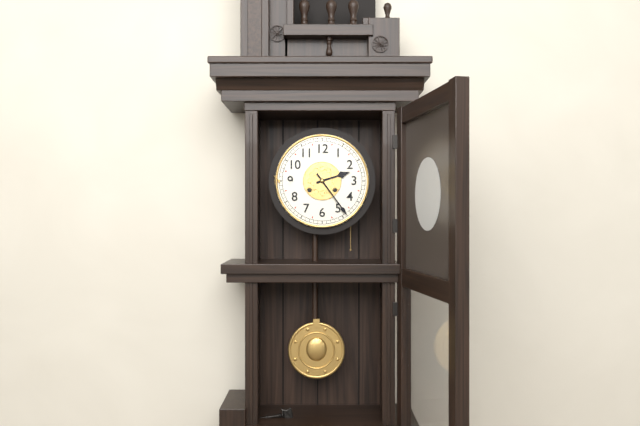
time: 2:24
